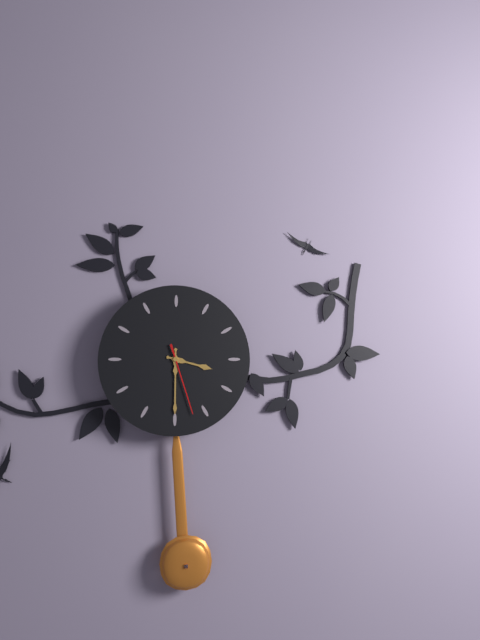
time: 3:30:27
